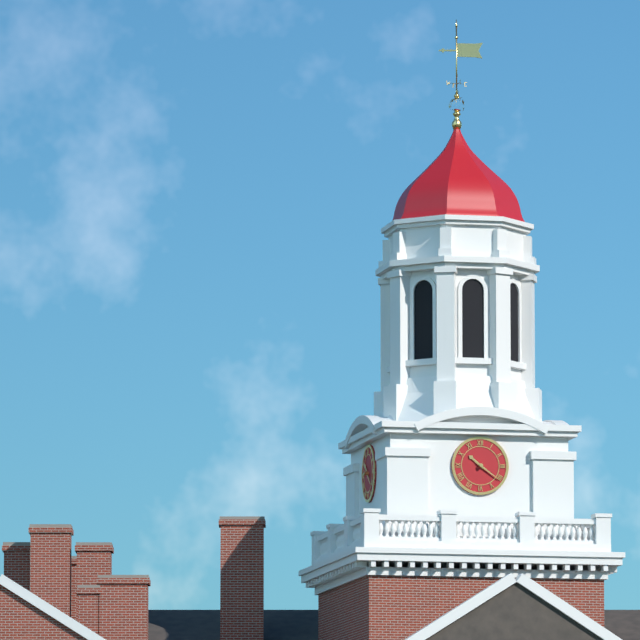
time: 10:21
